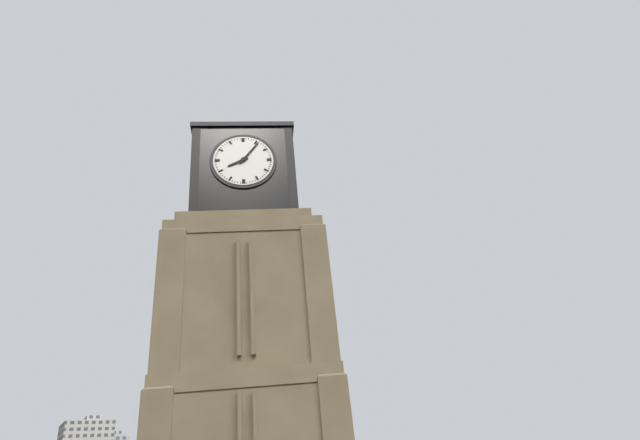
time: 8:06
